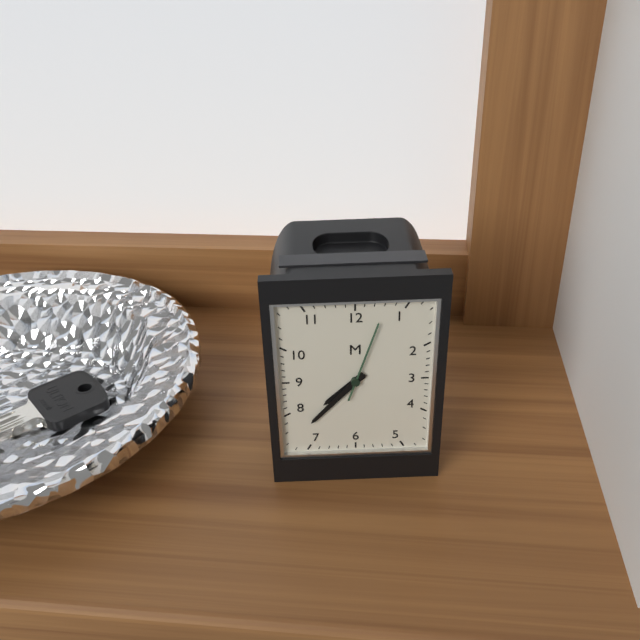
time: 7:37:03
